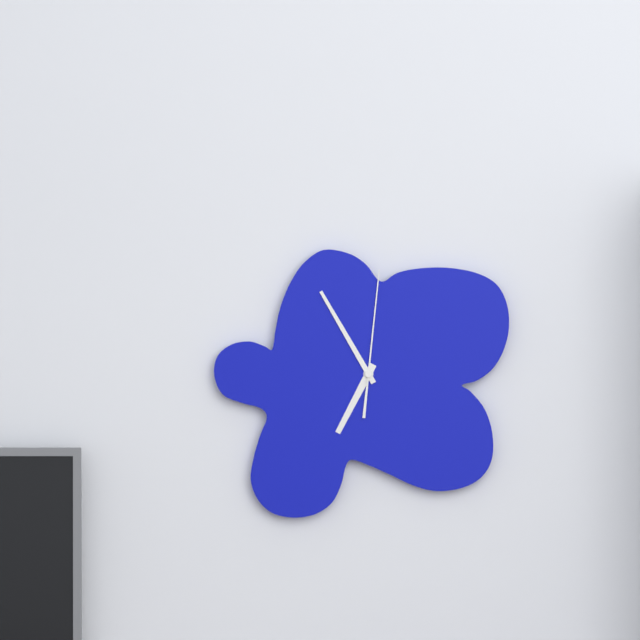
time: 6:55:01
